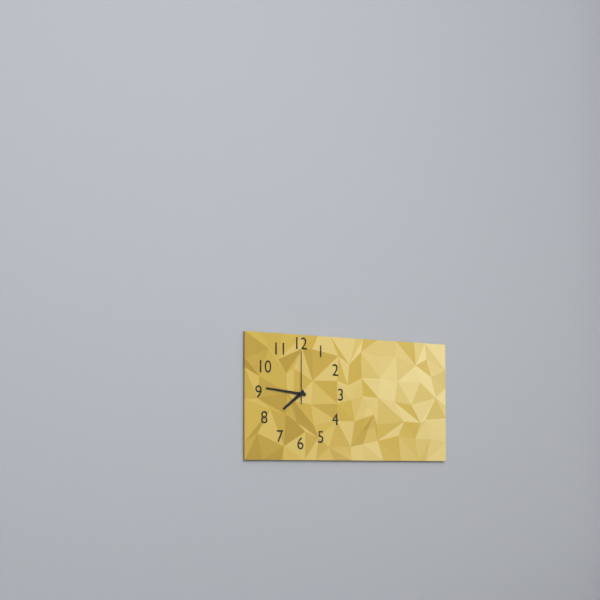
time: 7:46:00
